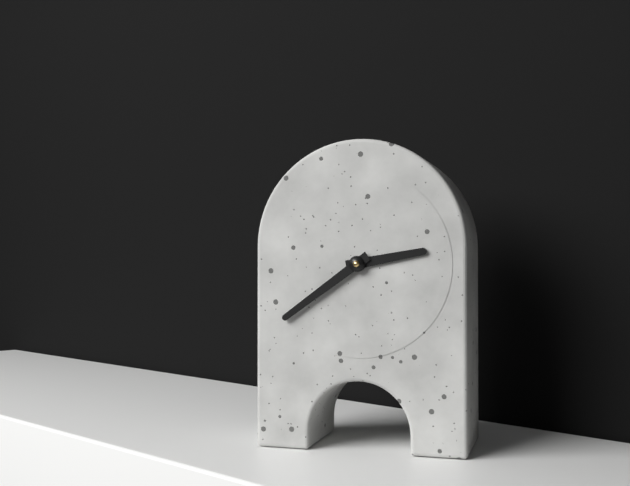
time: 2:39
